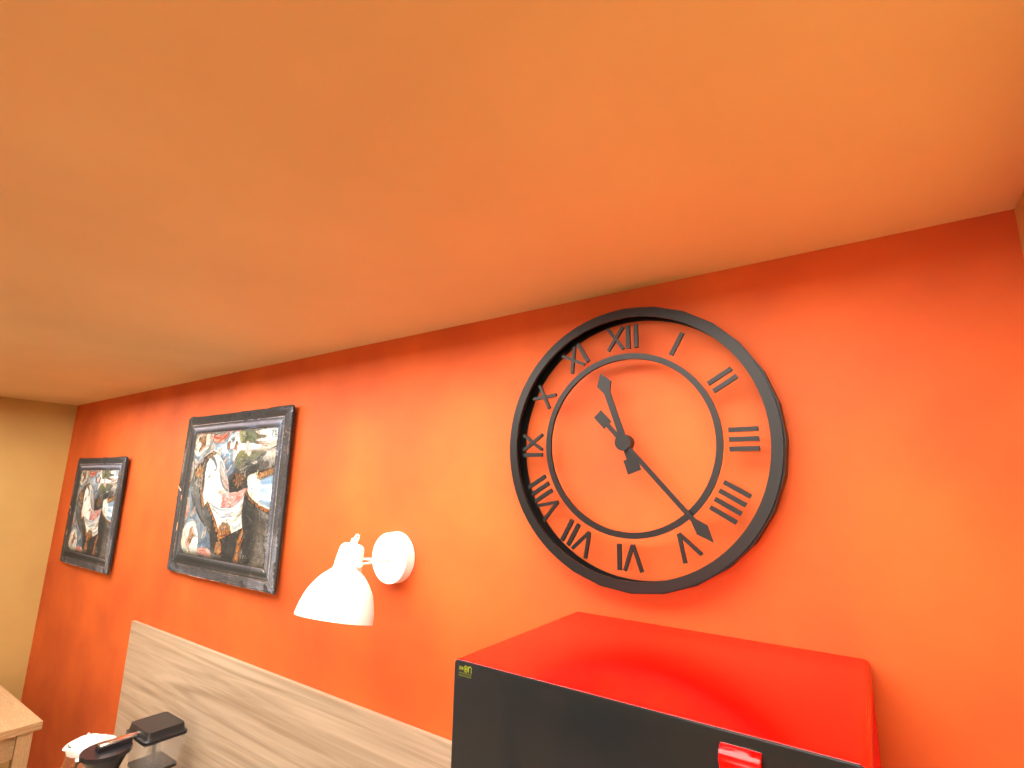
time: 11:23
